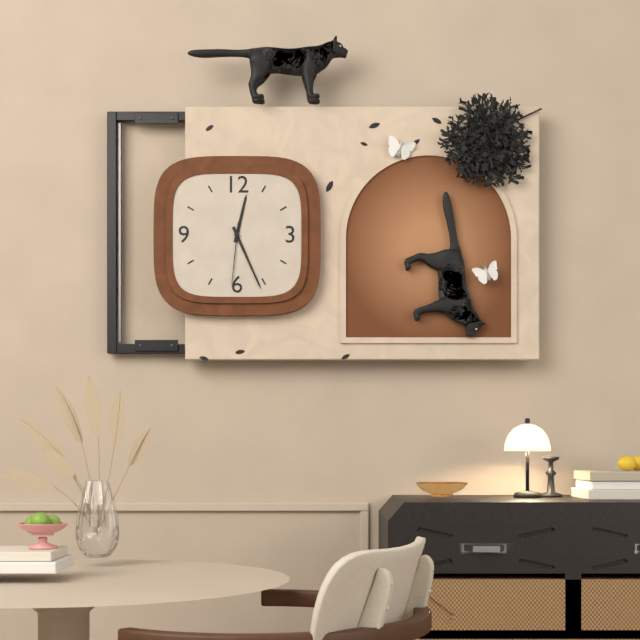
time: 12:26:31
